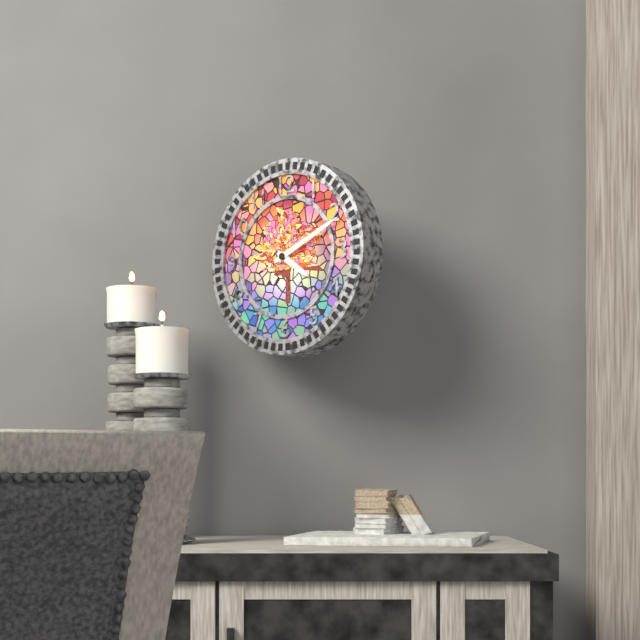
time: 4:11
